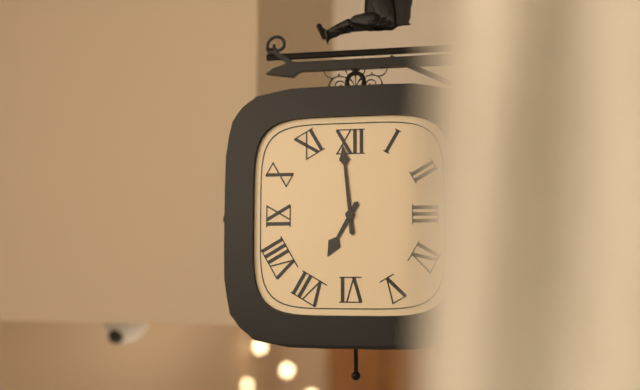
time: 6:59
